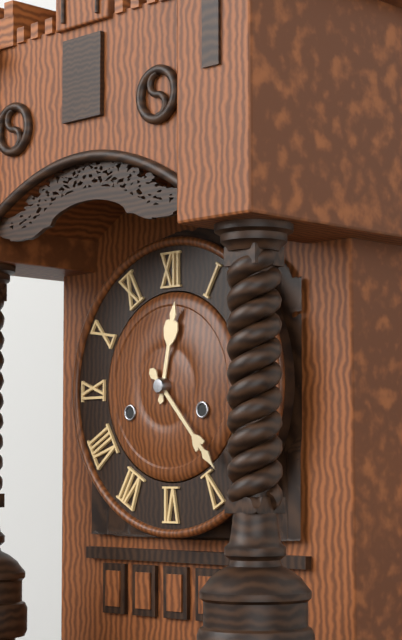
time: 12:23
